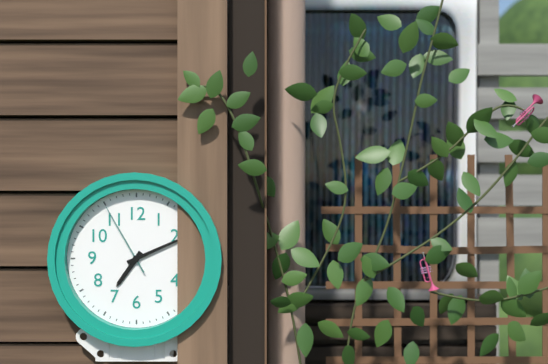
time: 7:11:55
